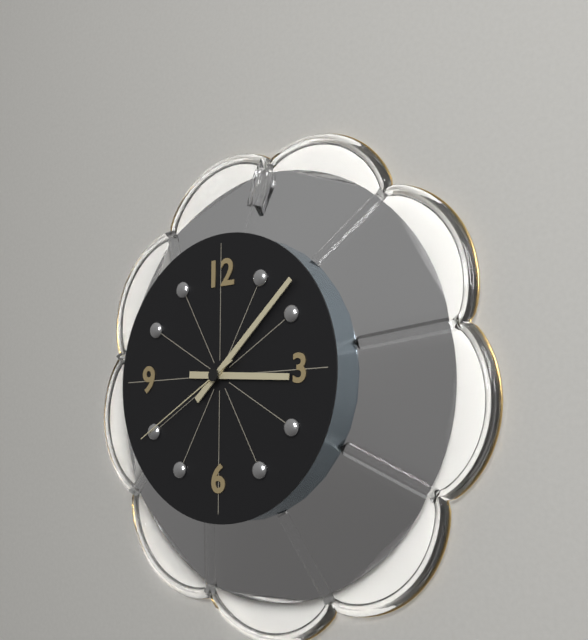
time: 3:08:40
